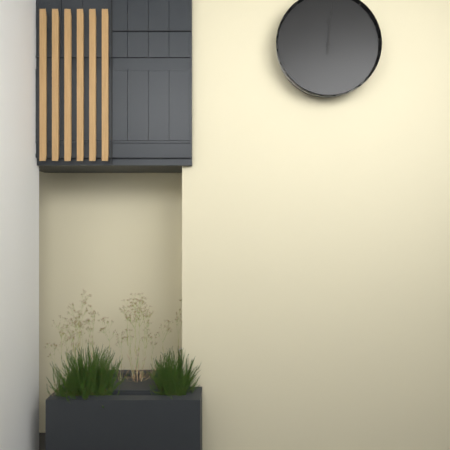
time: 12:01
